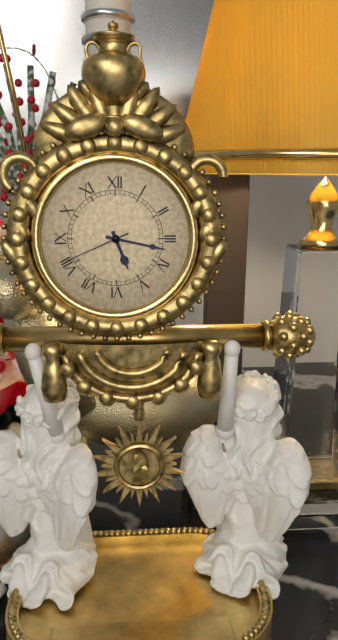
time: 5:17:41
